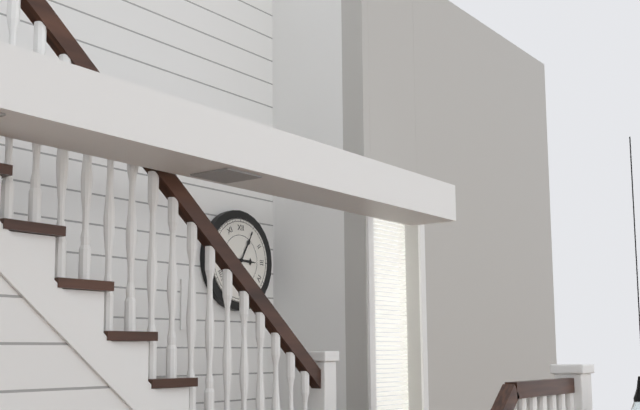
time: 3:05
